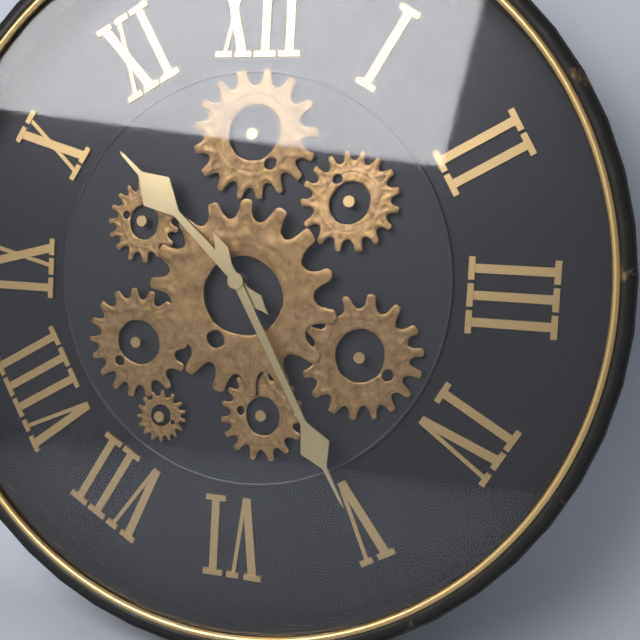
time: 10:25
